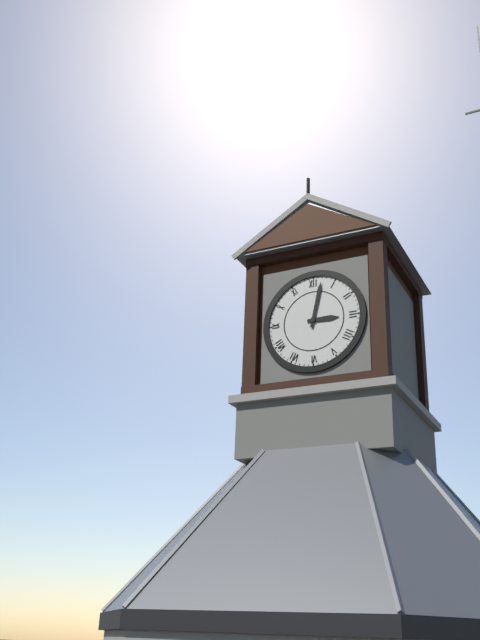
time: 3:02
